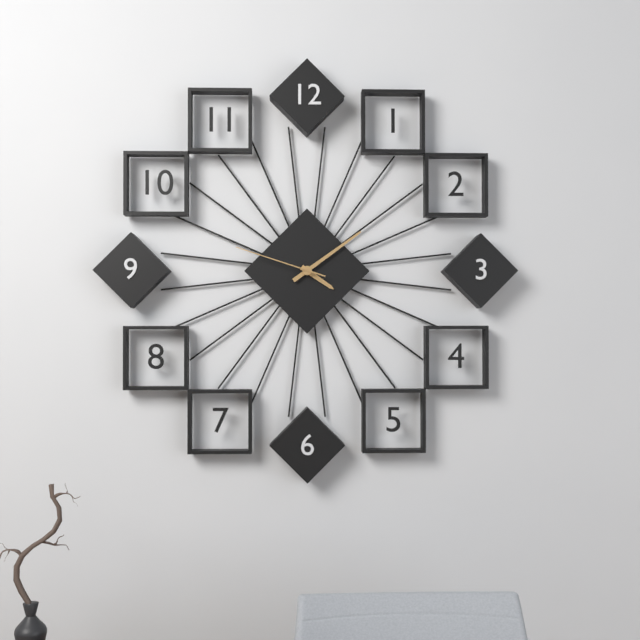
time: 4:09:48
